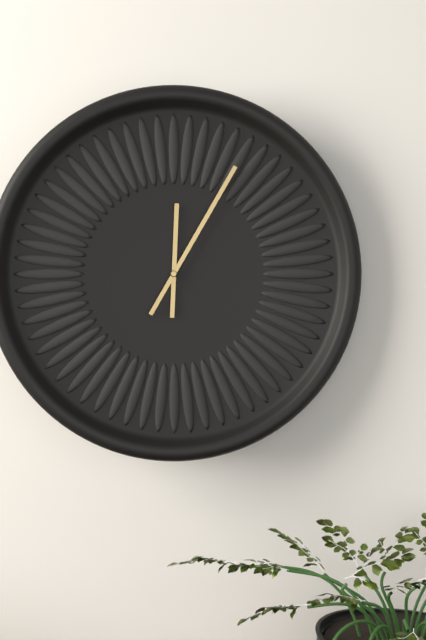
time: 12:05
